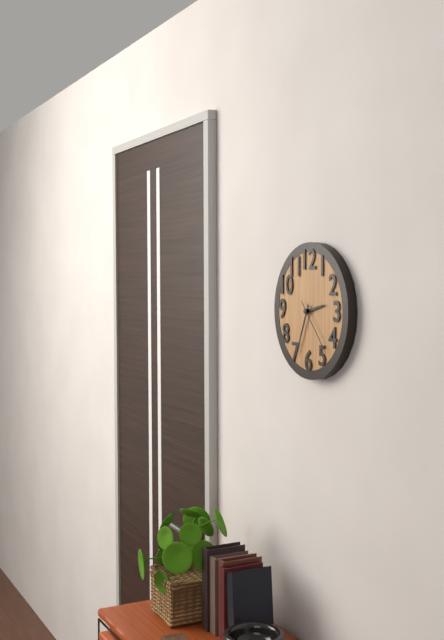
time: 2:34:23
